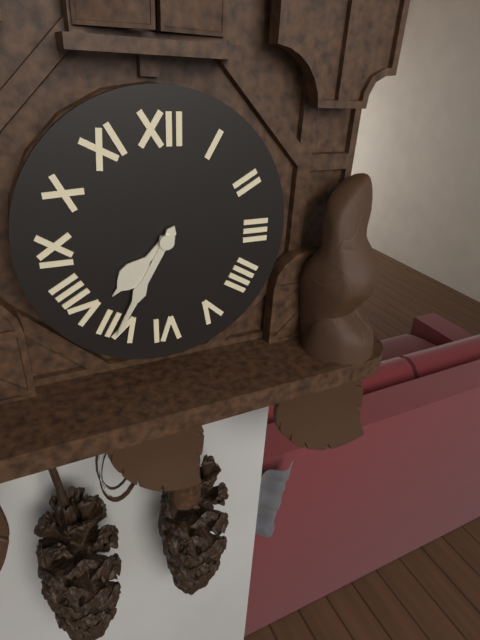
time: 7:35
